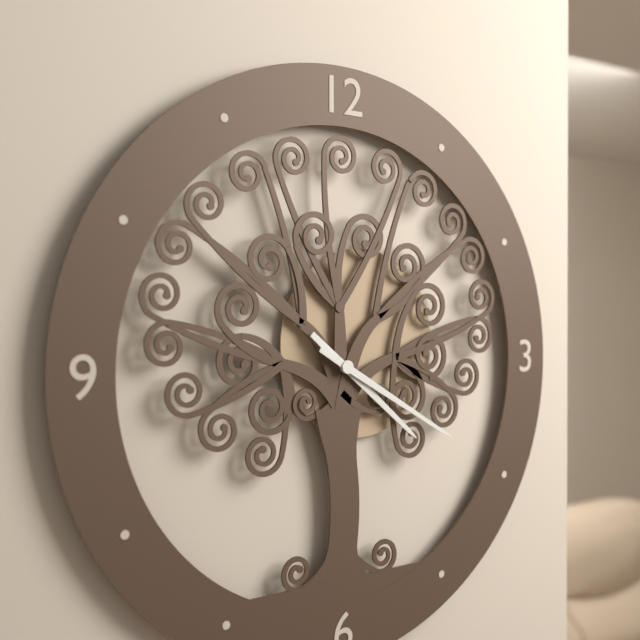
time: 4:20
